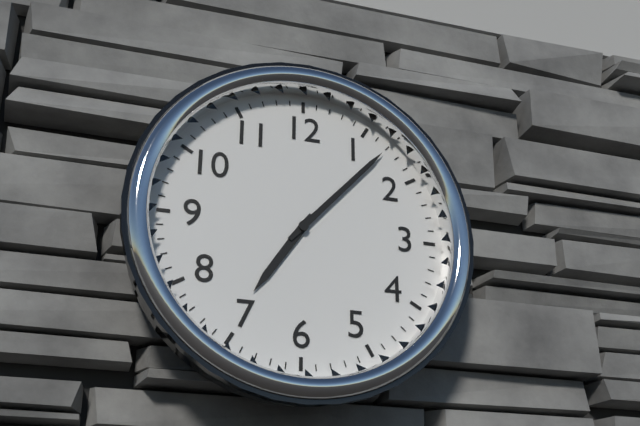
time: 7:07
